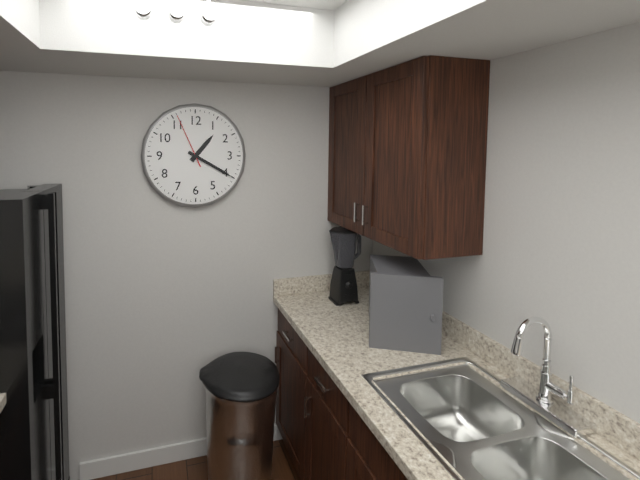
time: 1:20:56
